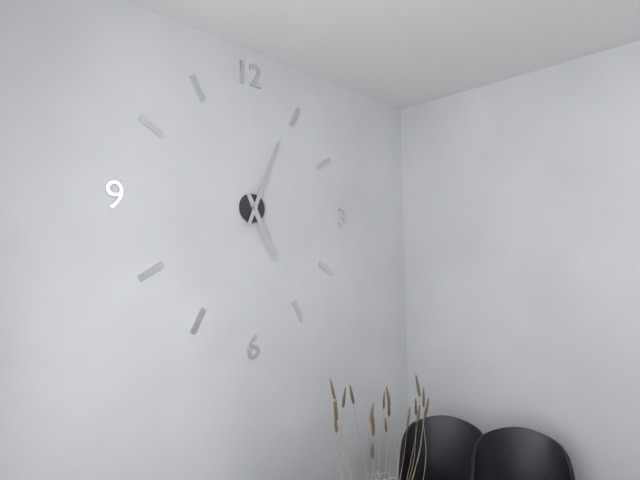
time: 5:04
